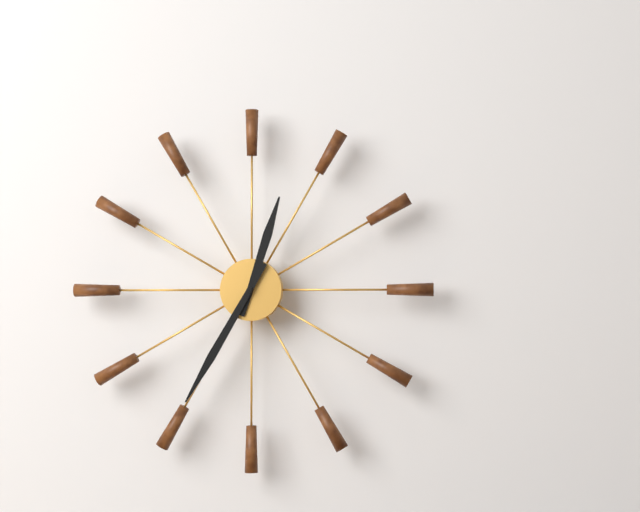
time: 12:35
